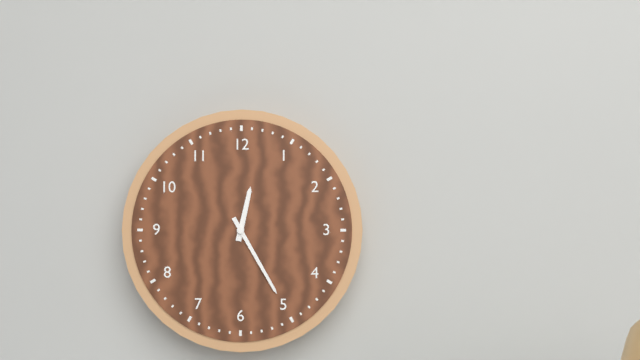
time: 12:25
